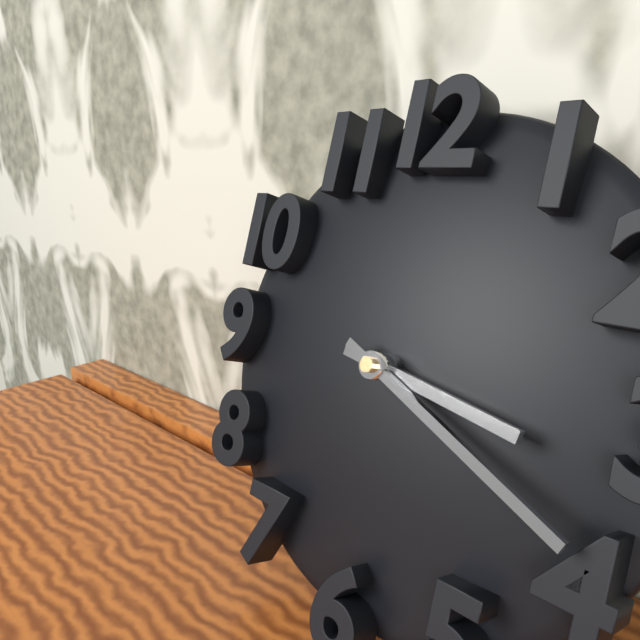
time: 3:19
